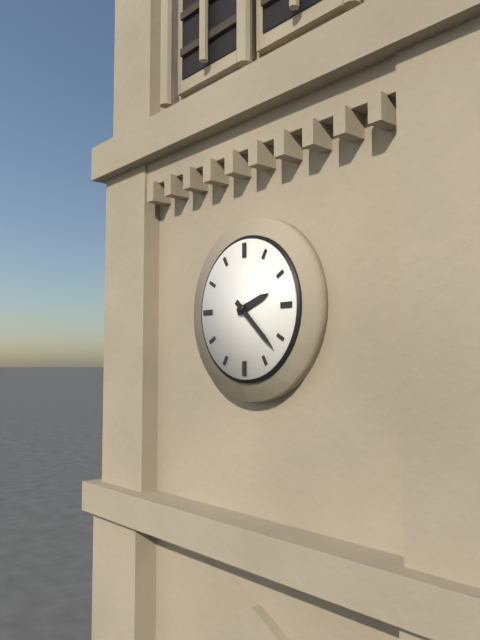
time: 2:22
